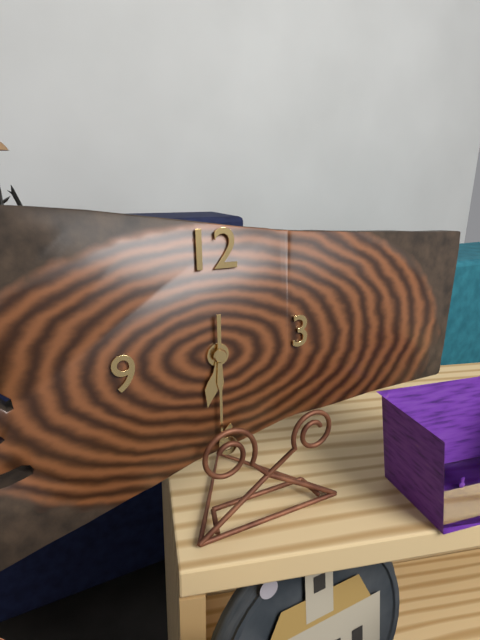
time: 6:30
